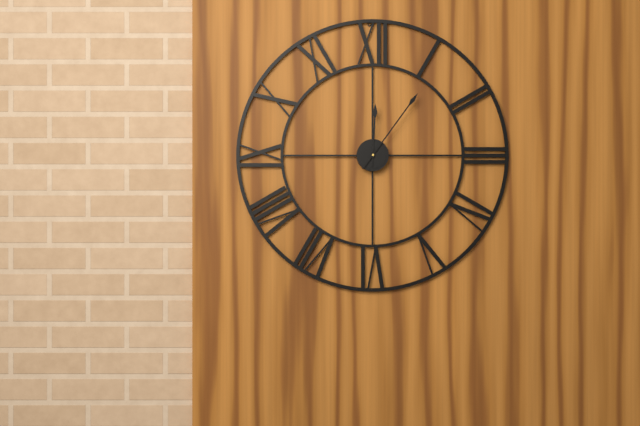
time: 12:06
